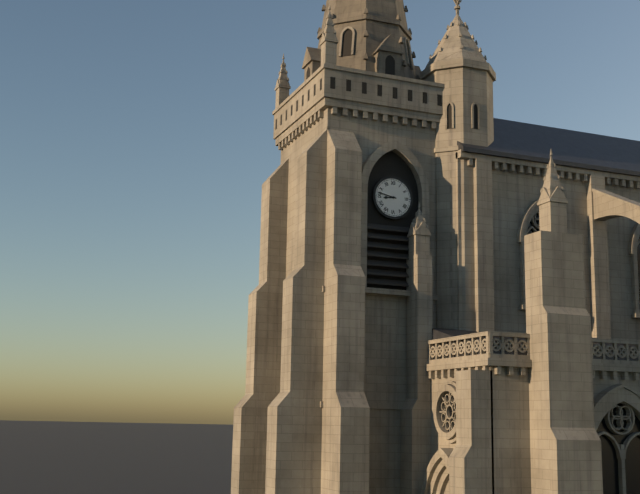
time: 8:47
